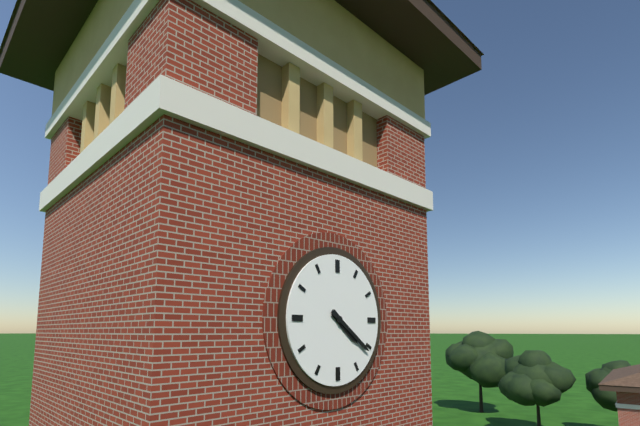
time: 4:21
